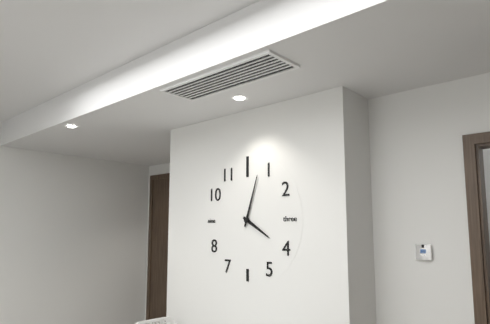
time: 4:03
